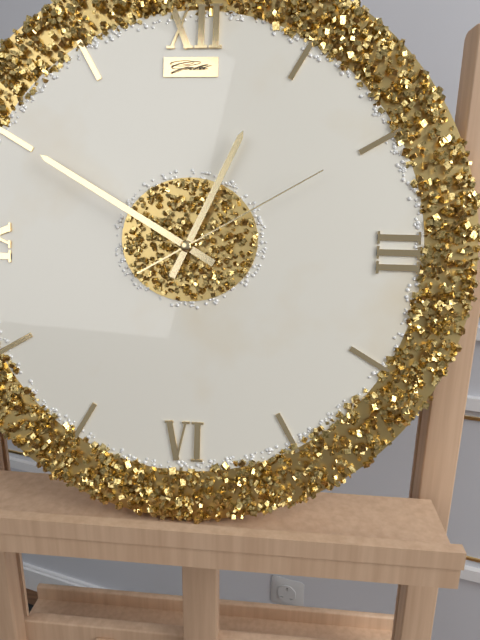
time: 12:50:10
